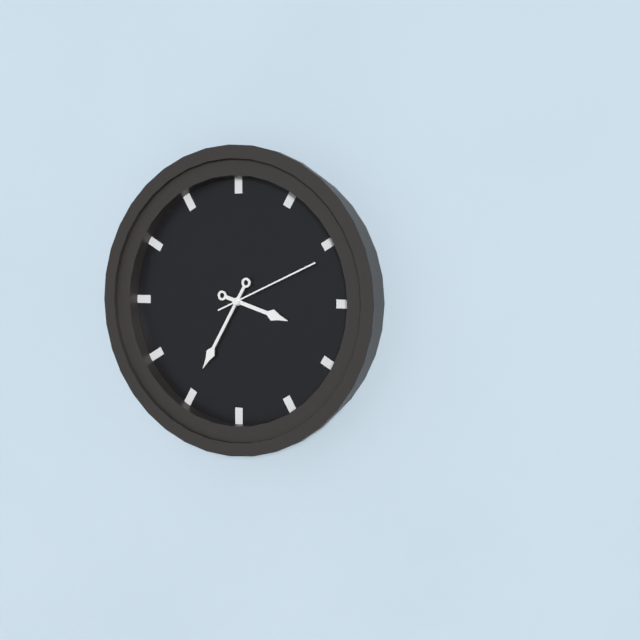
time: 3:35:11
